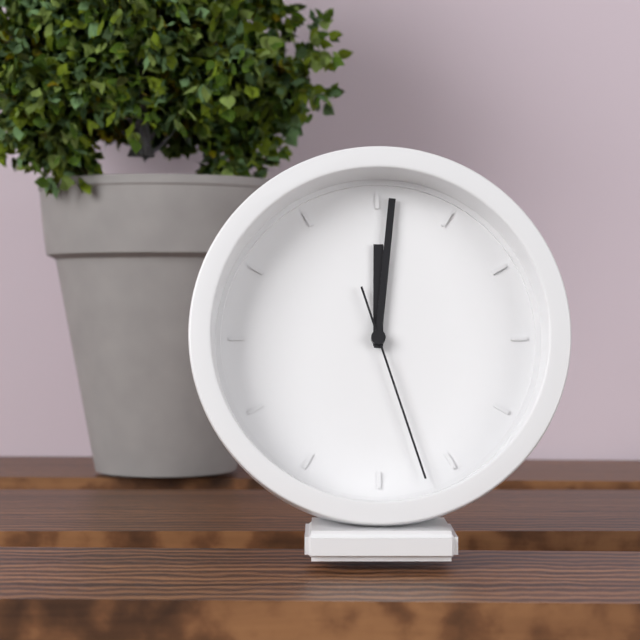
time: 12:01:27
